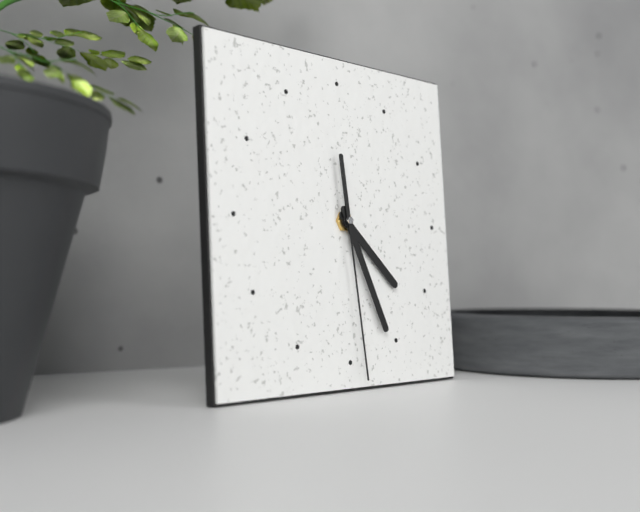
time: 4:26:29
